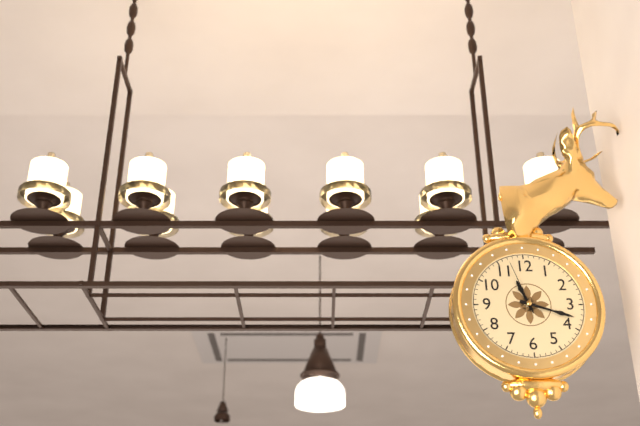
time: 11:18:57
